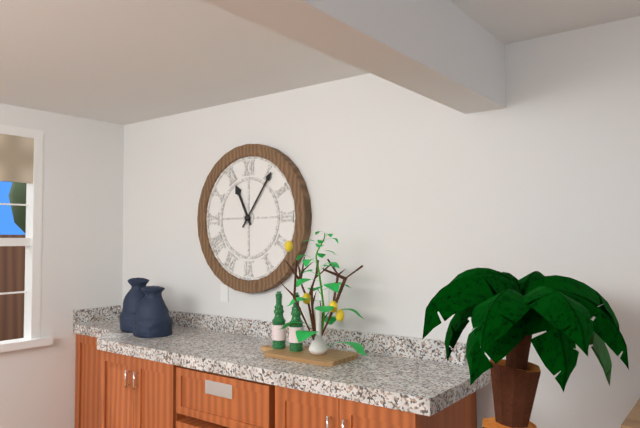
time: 11:06
